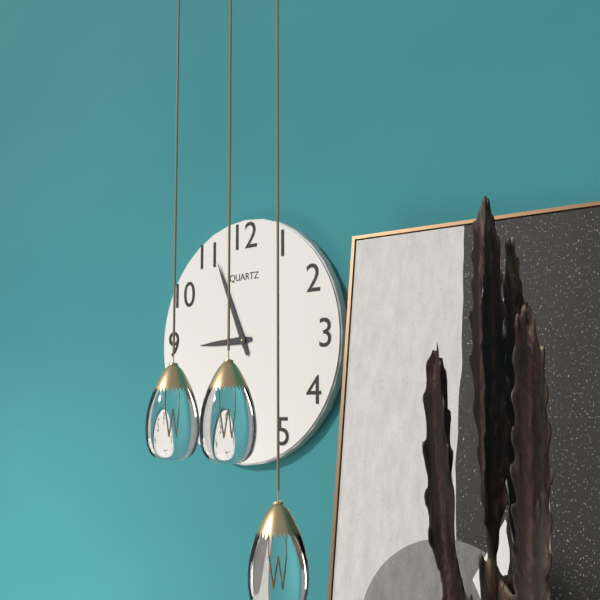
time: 8:56
